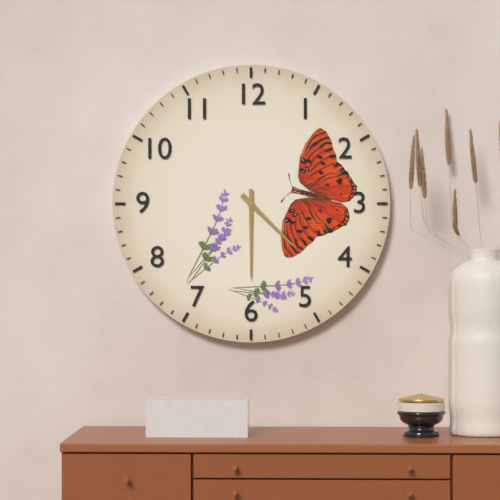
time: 4:30
